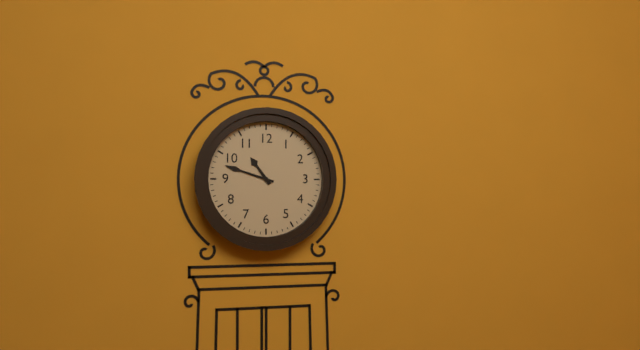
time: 10:48
